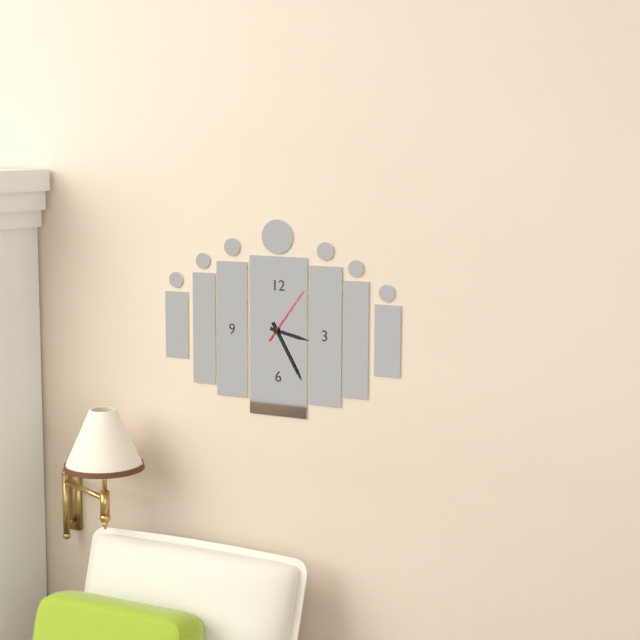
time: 3:25:06
